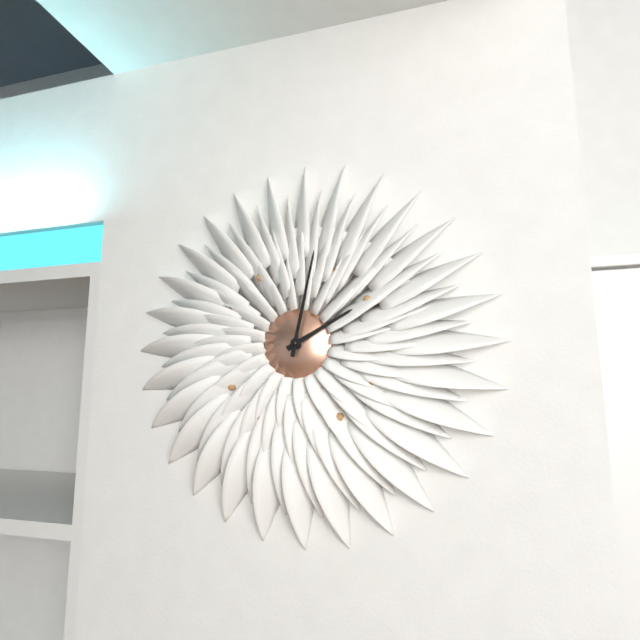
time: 2:02
